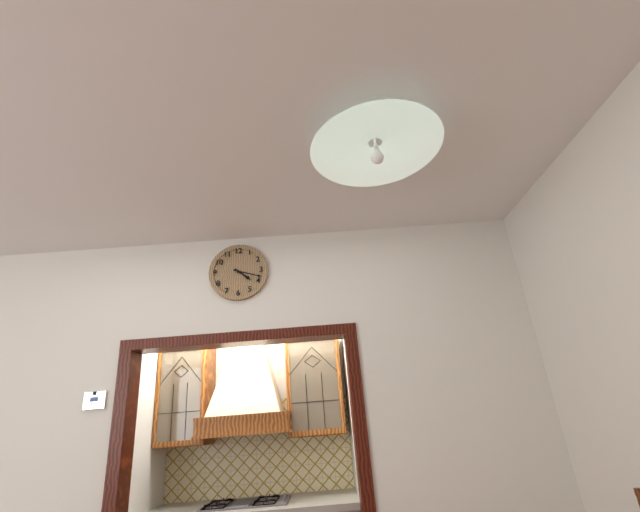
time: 4:18
